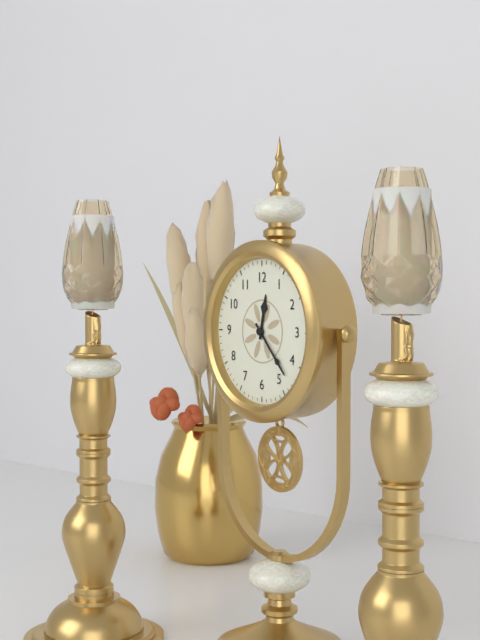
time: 12:23
